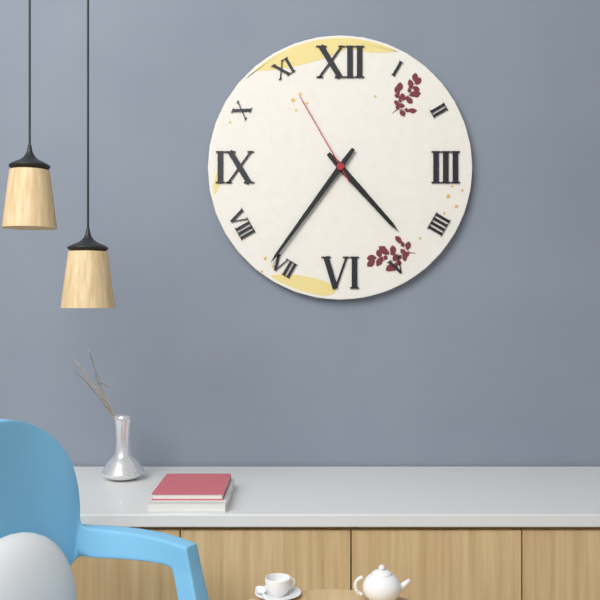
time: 4:36:55
